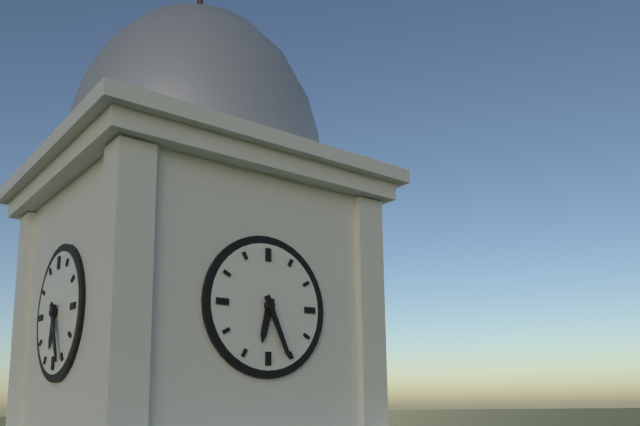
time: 6:26
